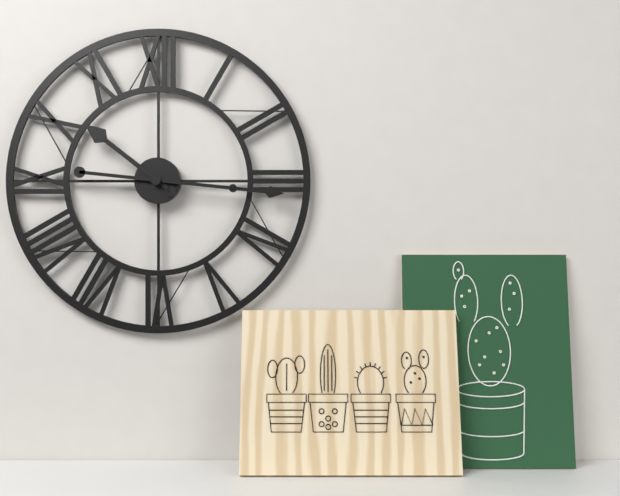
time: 10:16
